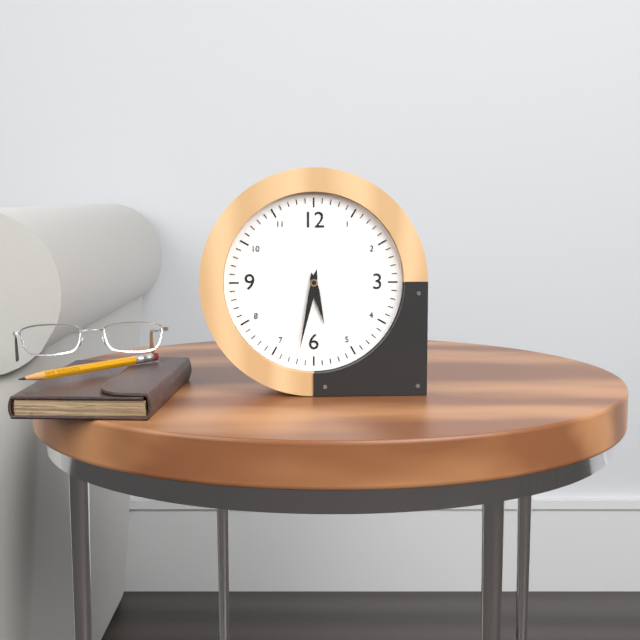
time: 5:32
